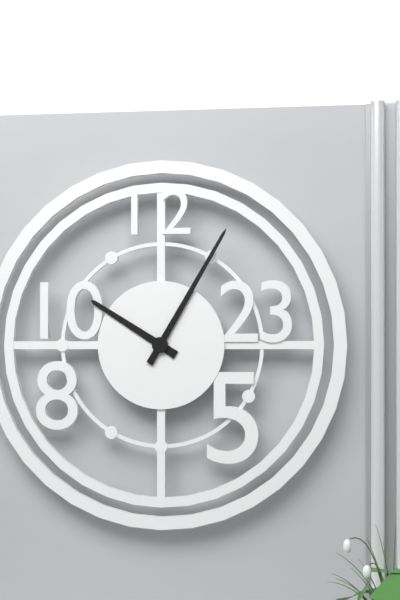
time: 10:05
